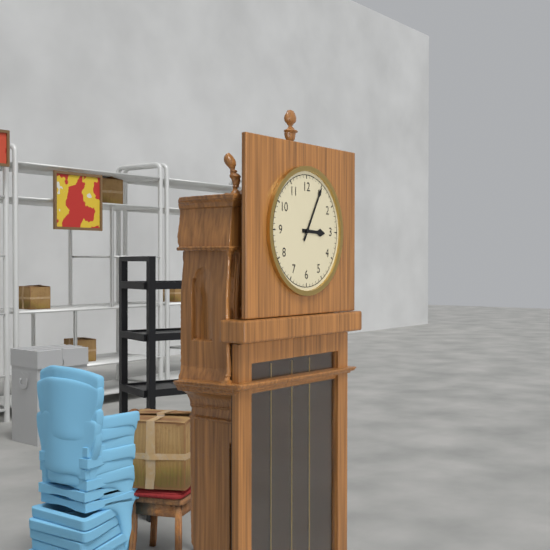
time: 3:05
